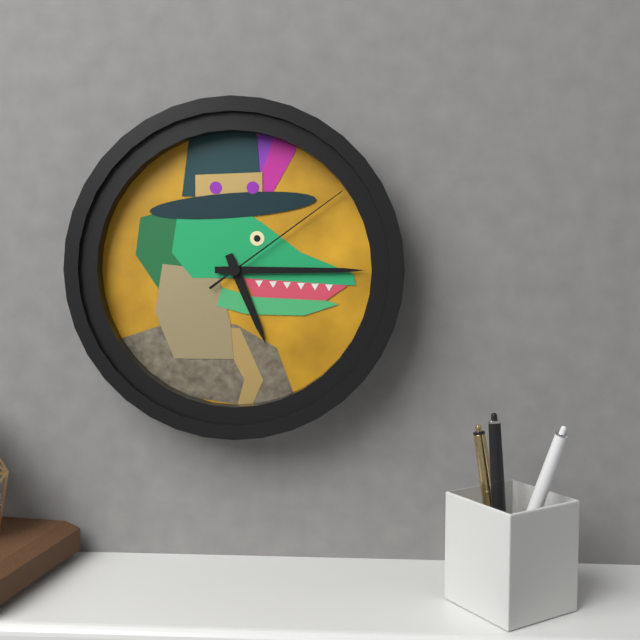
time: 5:15:09
